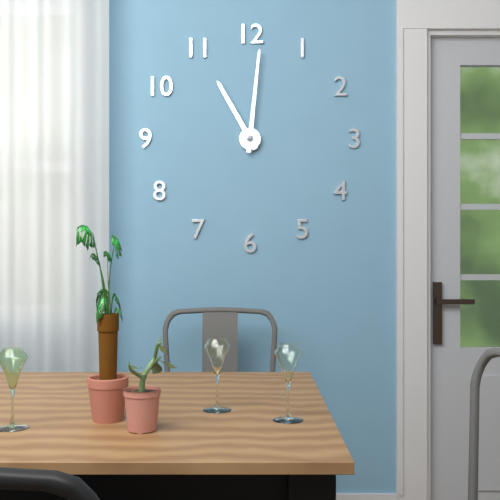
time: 11:01
